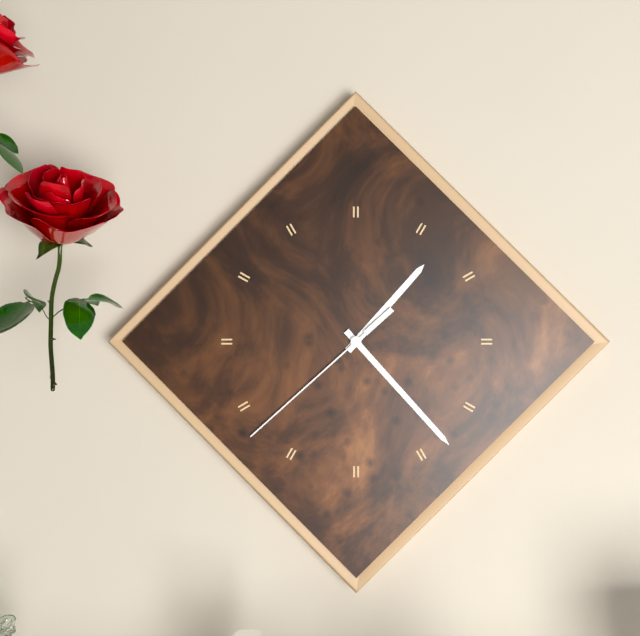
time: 1:23:38
